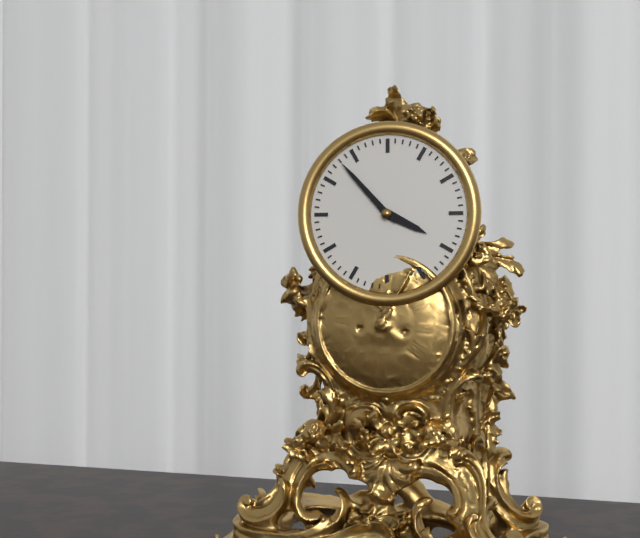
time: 3:53
